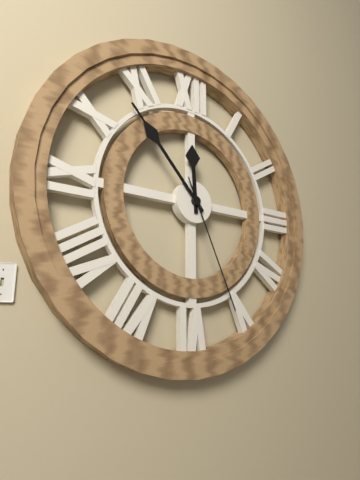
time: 11:53:26
